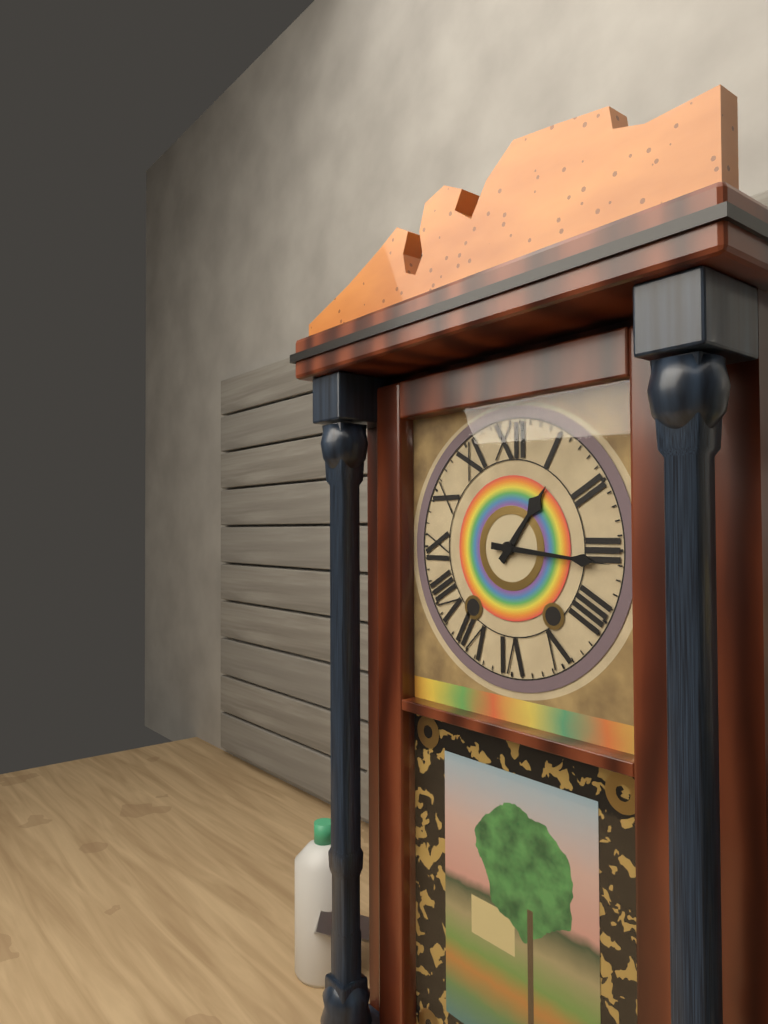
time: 1:16
